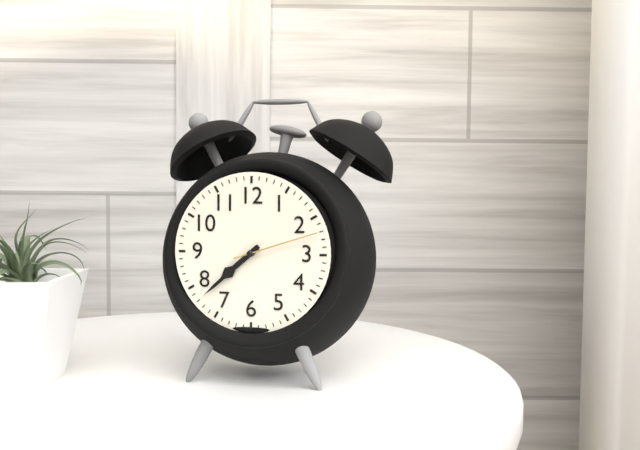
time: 7:38:12
